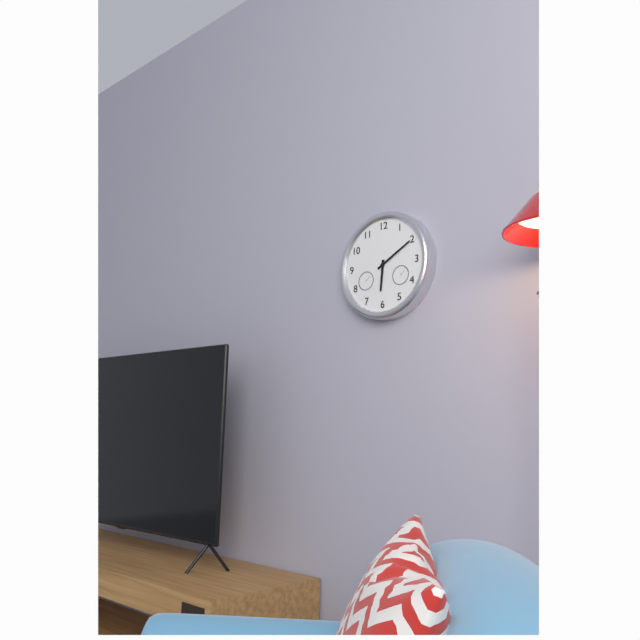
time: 6:10
